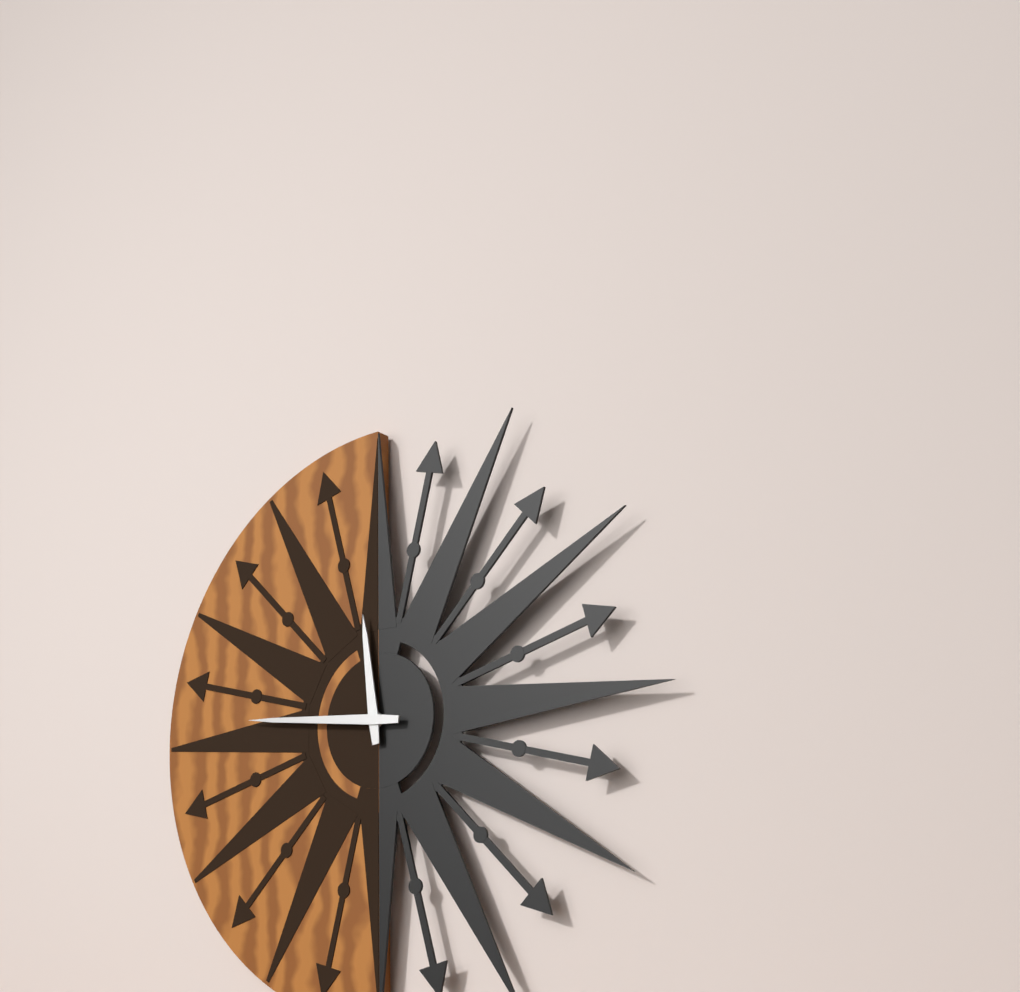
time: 11:46
